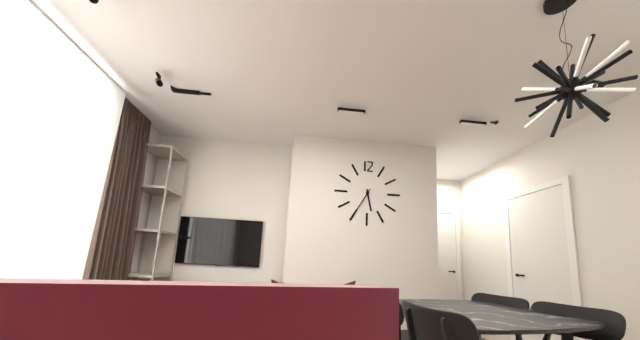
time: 5:35
